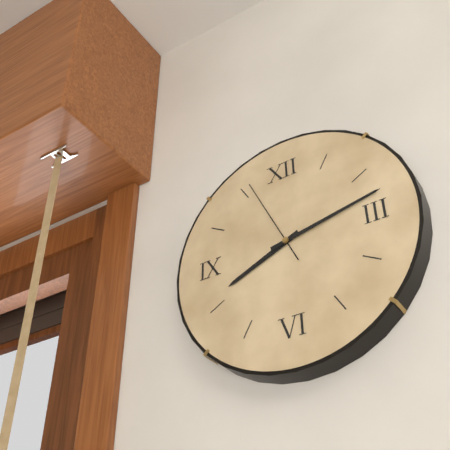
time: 8:13:56
